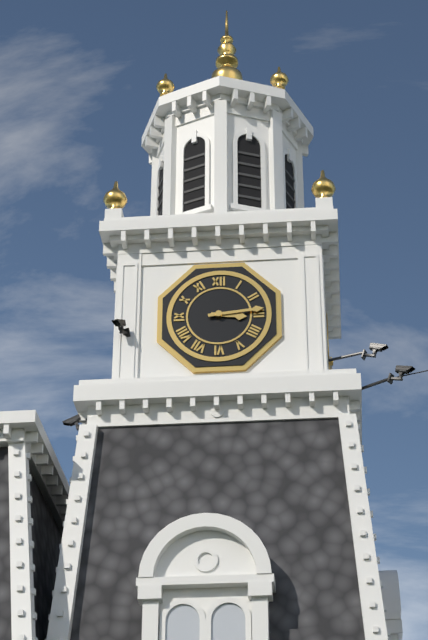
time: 3:14
